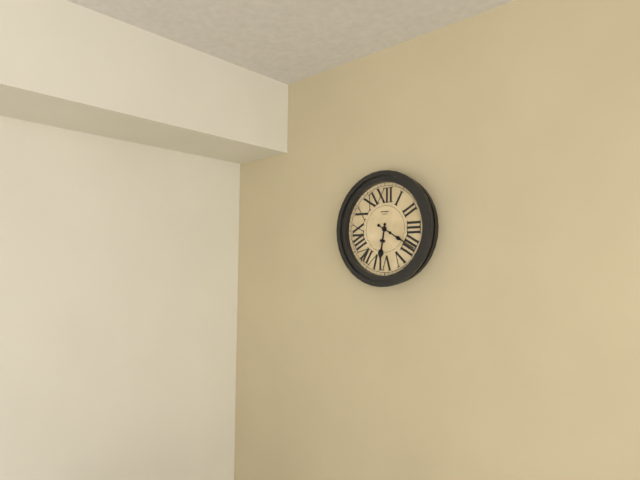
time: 6:20
